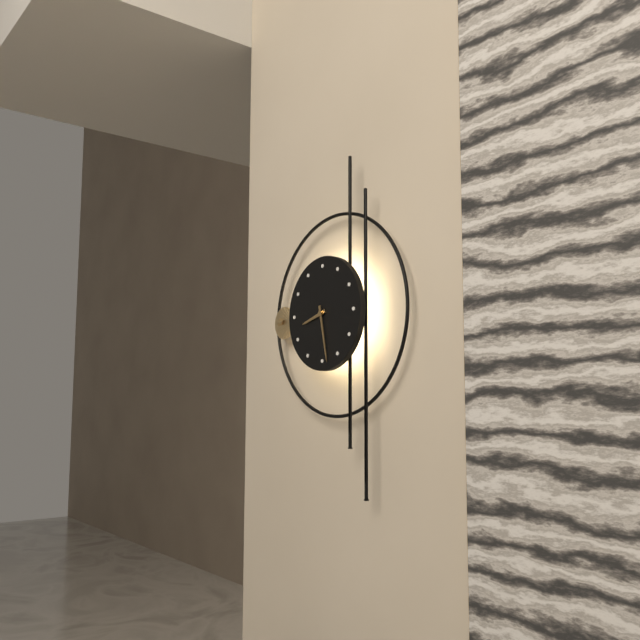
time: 8:28
